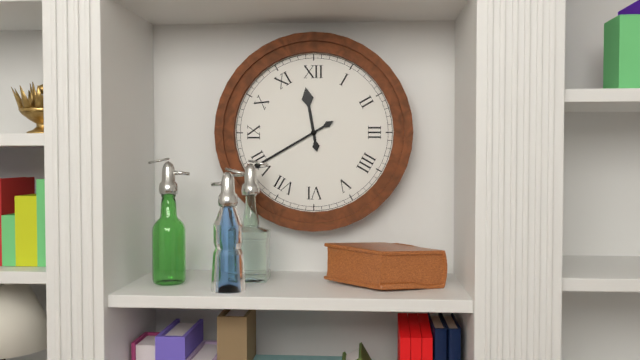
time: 11:40
